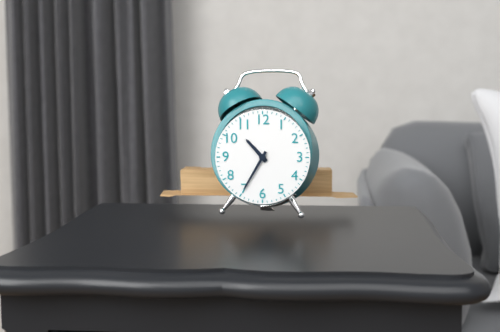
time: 10:35
